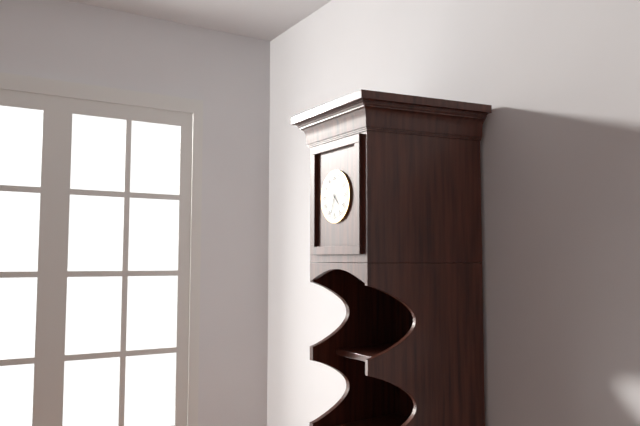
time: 4:33
